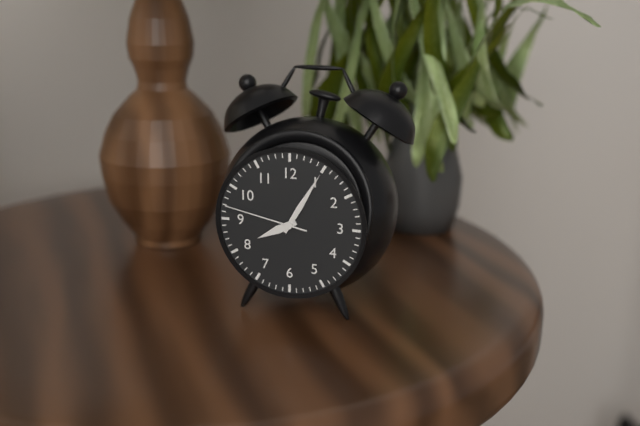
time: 8:05:47
